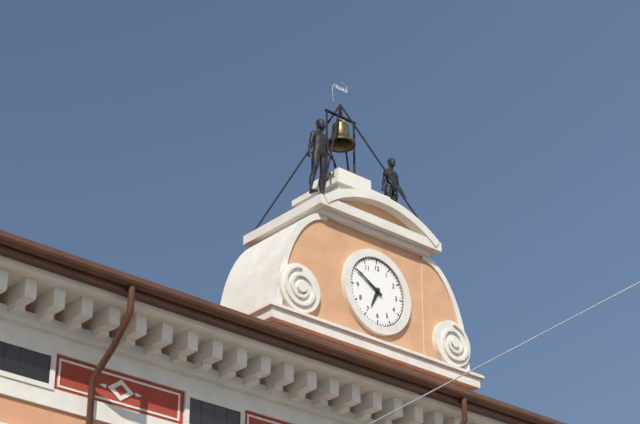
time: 6:50
